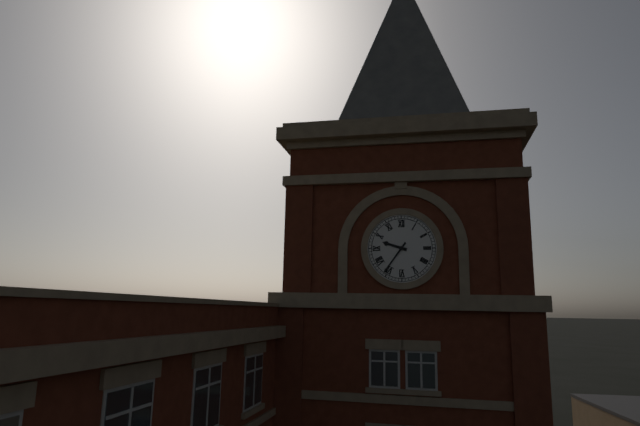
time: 9:36
